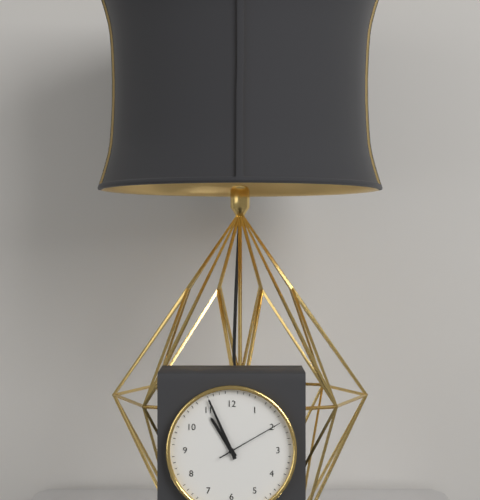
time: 10:56:10
